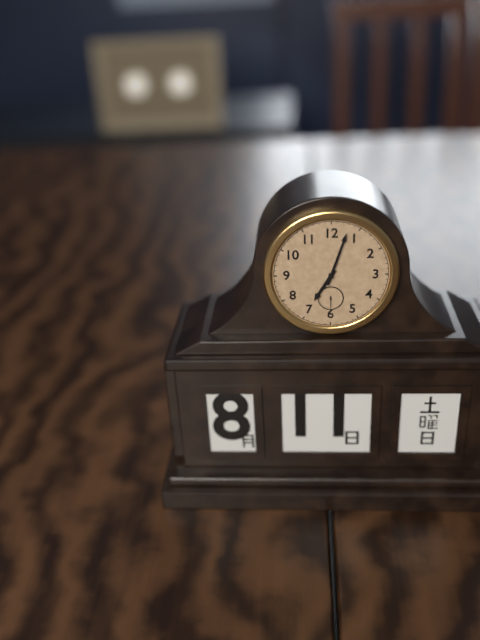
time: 7:03
